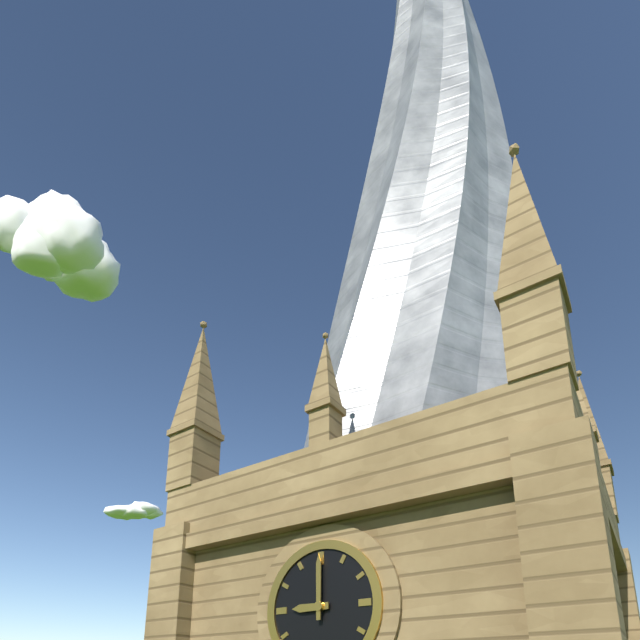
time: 9:00
